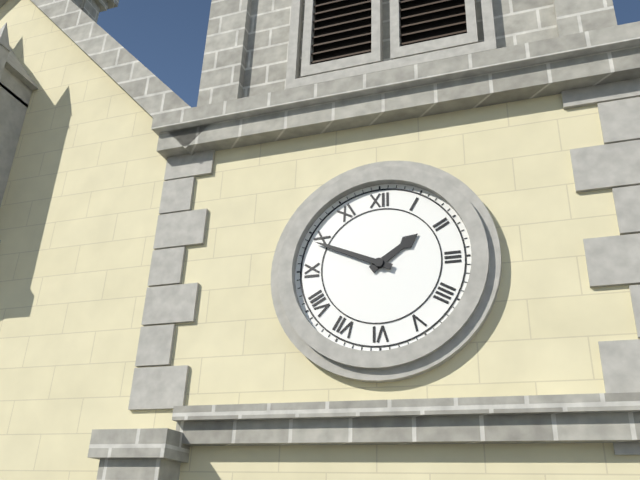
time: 1:49
